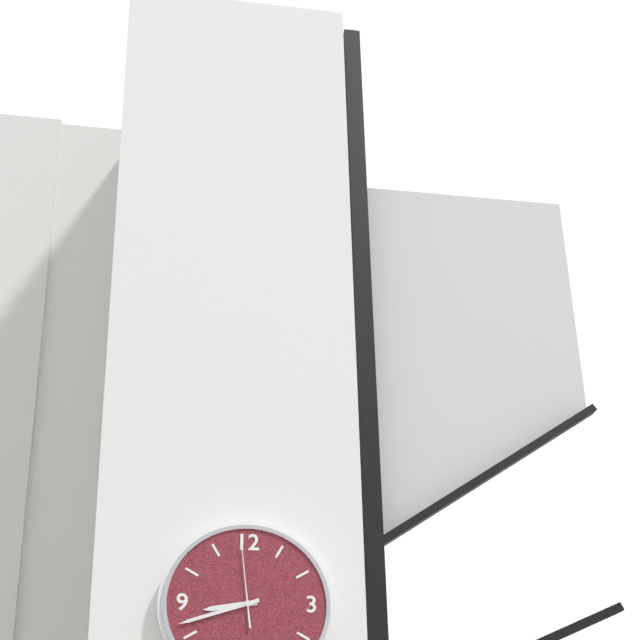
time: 8:42:59
